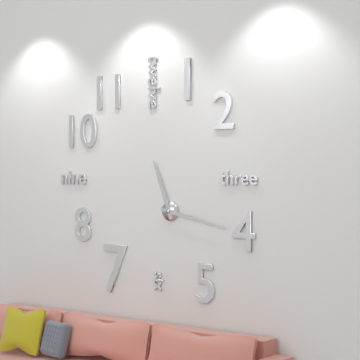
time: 11:17
